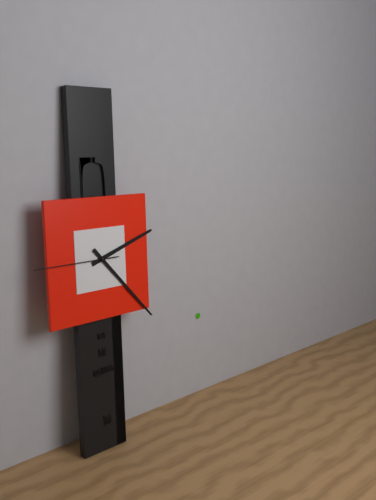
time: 2:23:45
